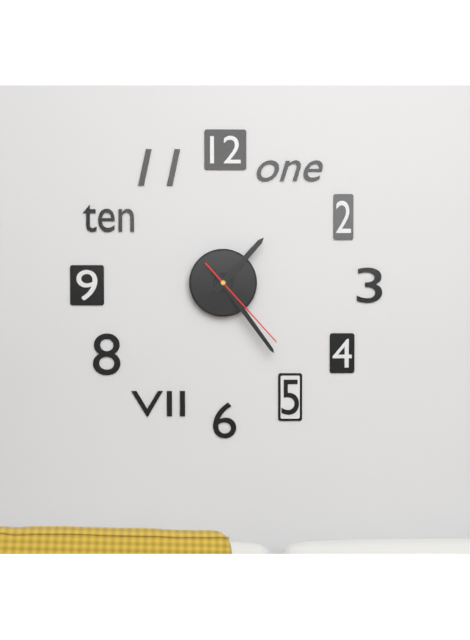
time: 1:24:23
